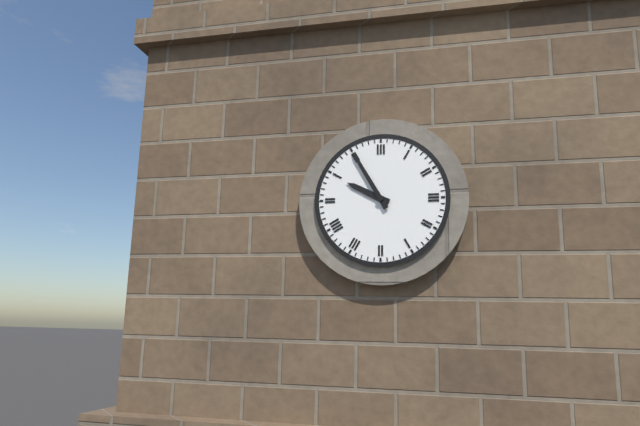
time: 9:55
